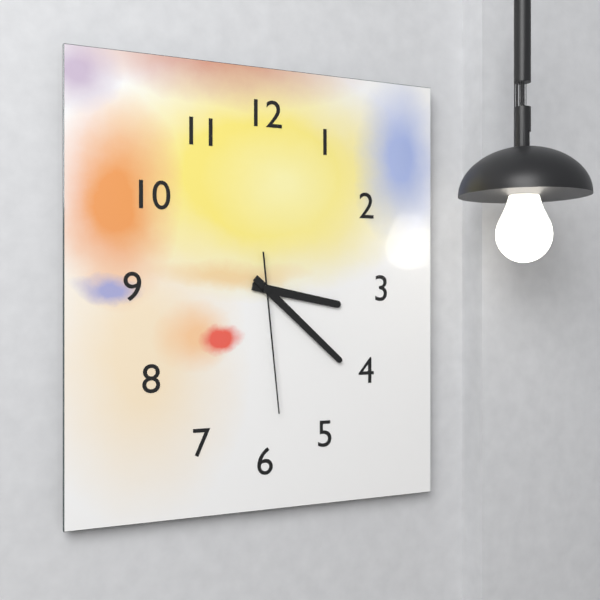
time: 3:22:29
